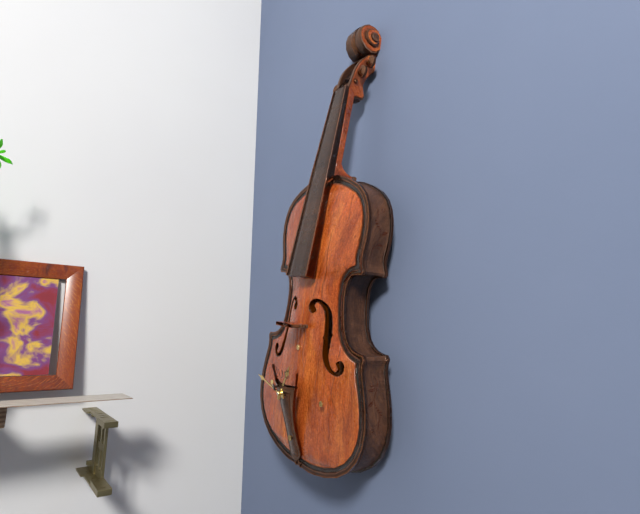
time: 12:47
